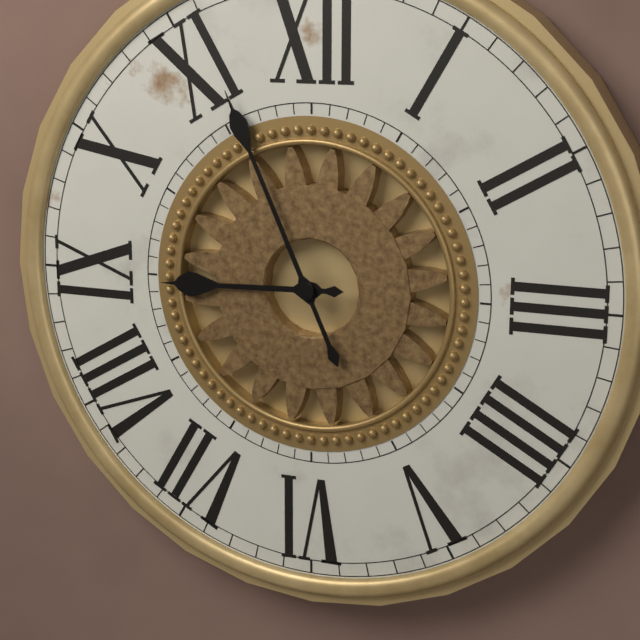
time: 8:56
